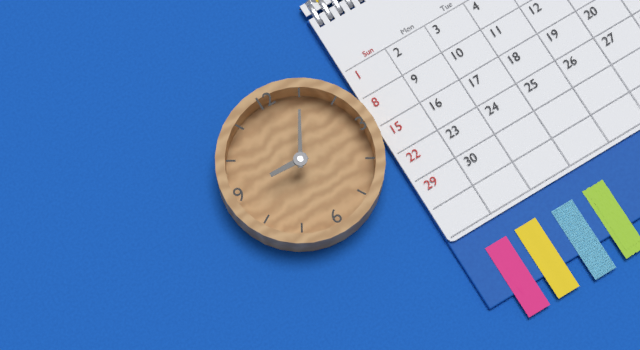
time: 9:05
